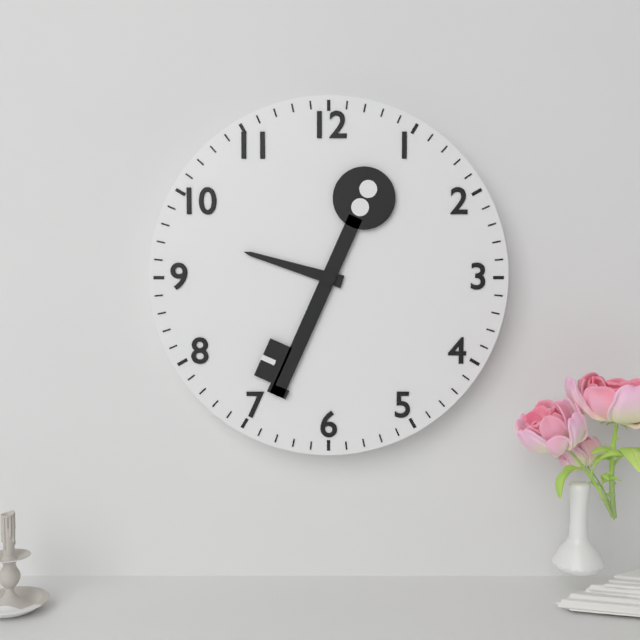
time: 9:34
